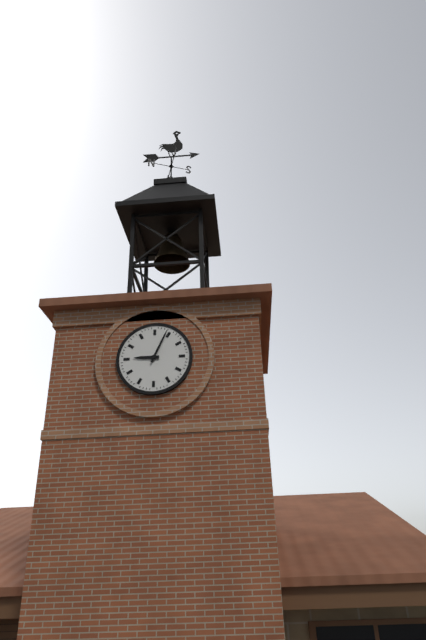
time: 9:04
